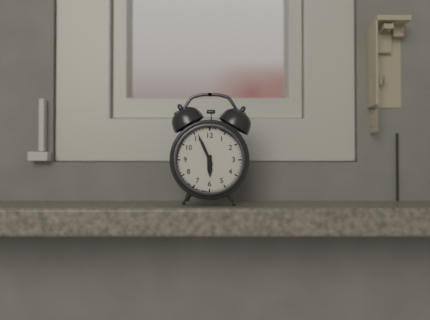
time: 5:56
